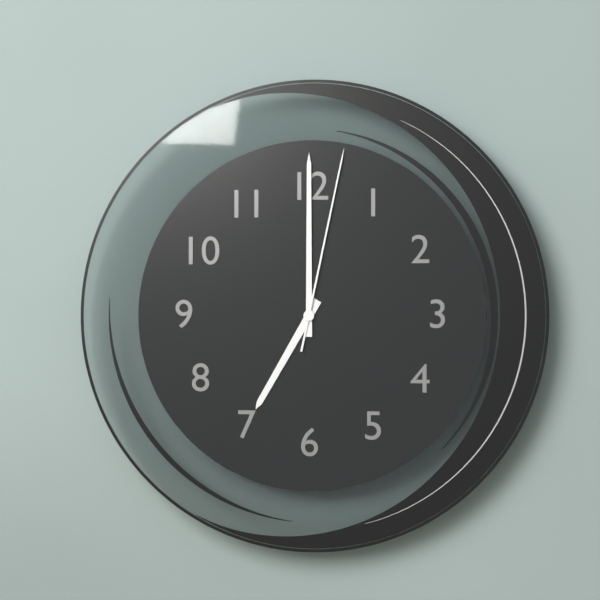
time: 7:00:02
